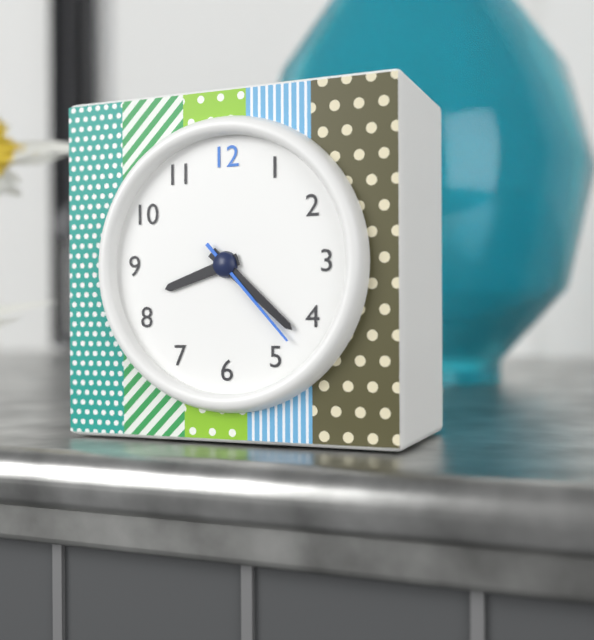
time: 8:22:23
